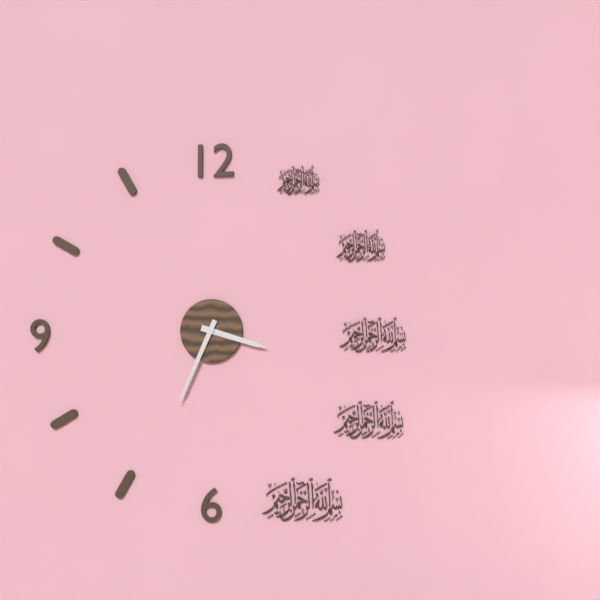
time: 3:34
